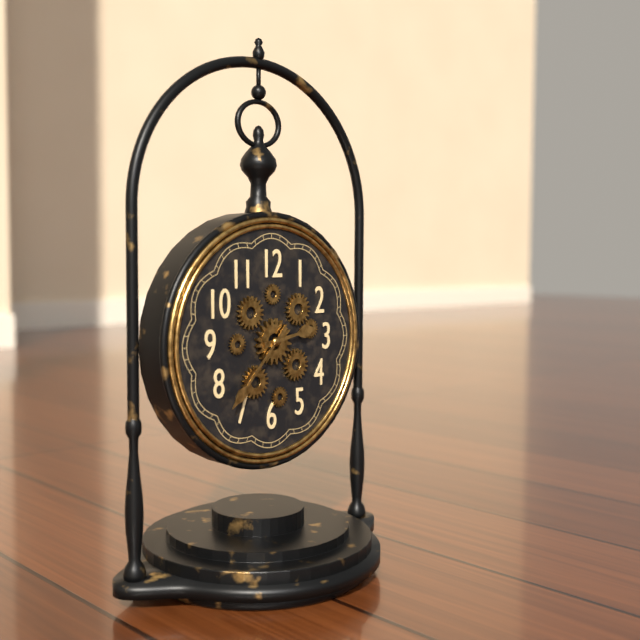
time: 2:37
